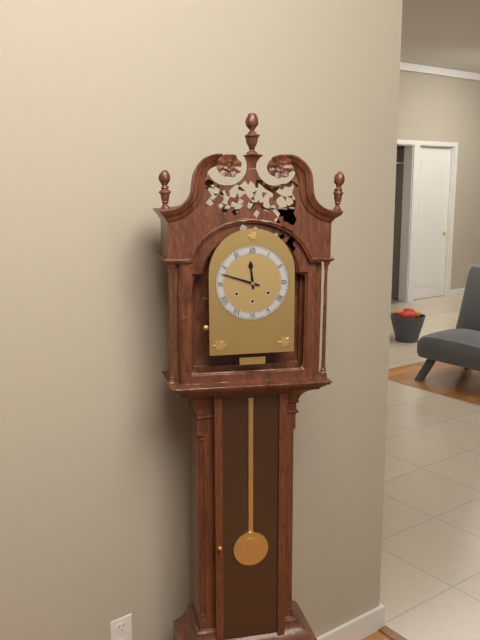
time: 11:48
